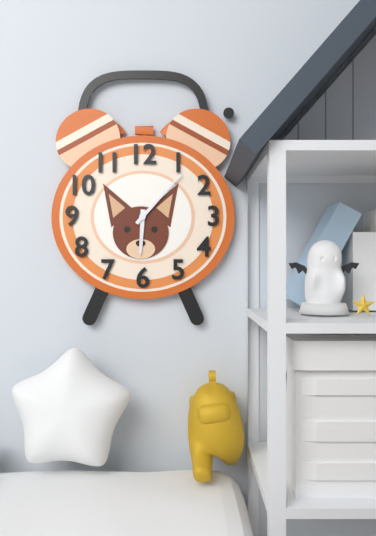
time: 6:07
